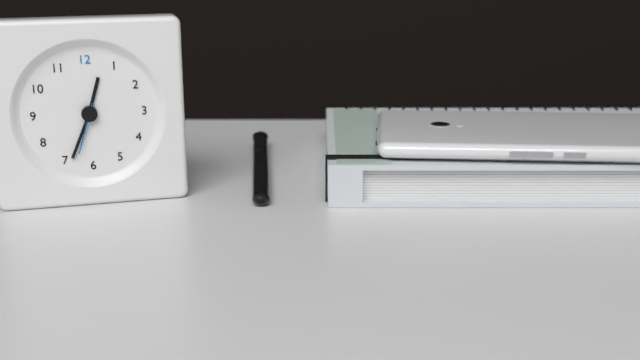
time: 12:34:33
